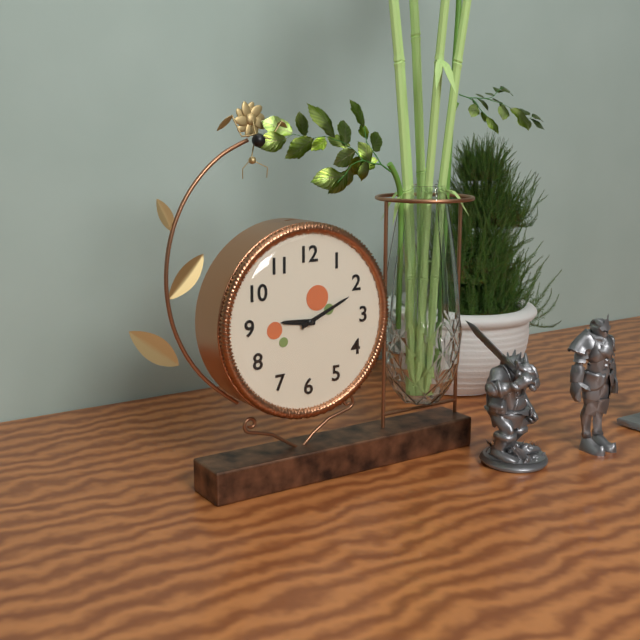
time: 9:11
